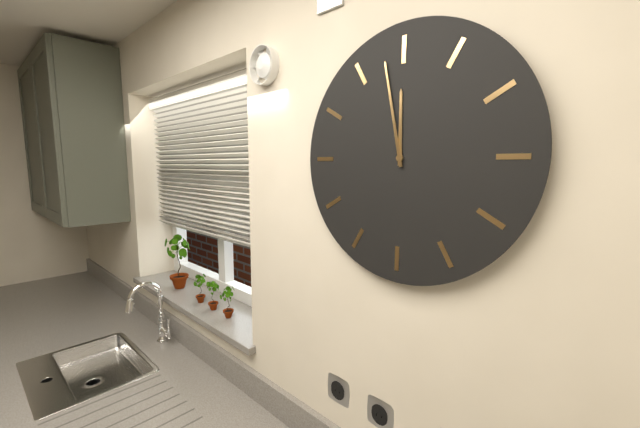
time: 11:58
